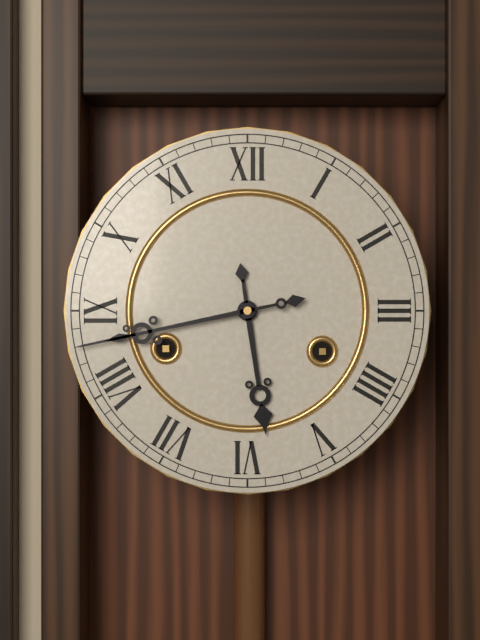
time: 5:43
